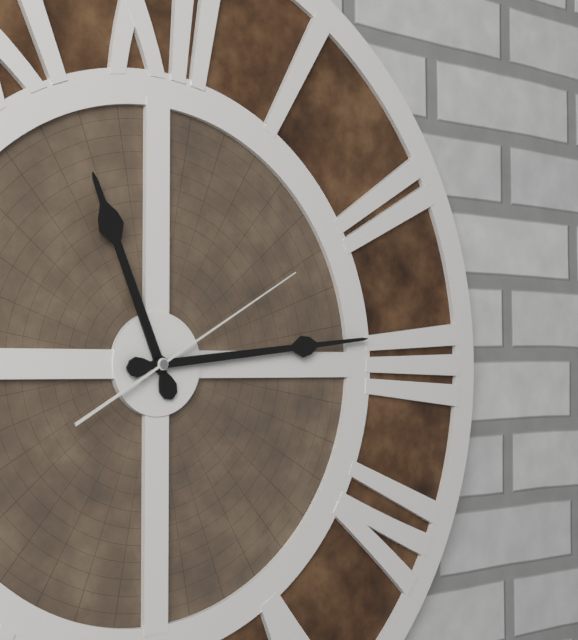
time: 11:14:10
